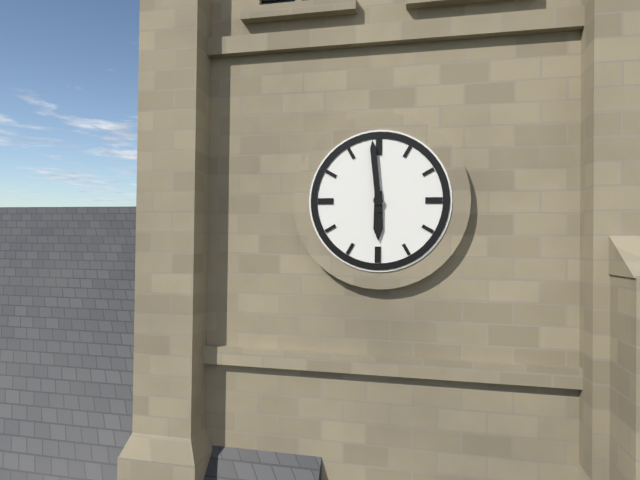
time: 5:59
